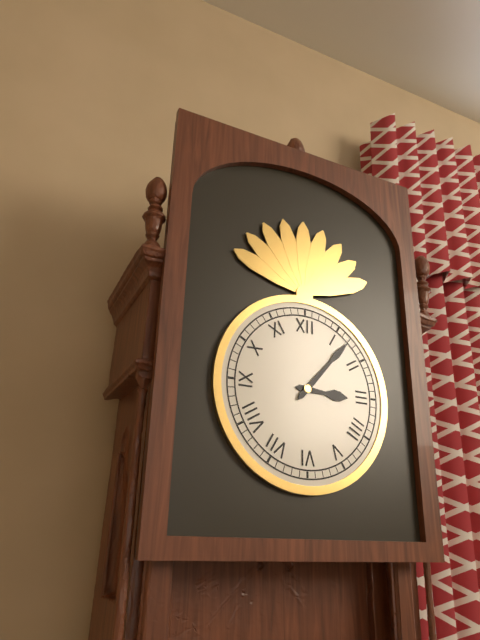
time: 3:07
